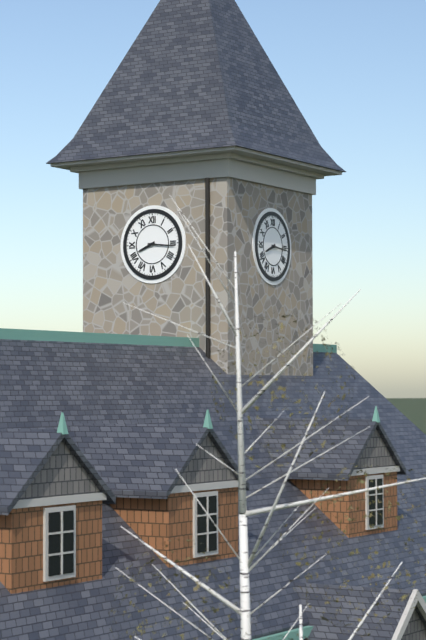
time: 8:16
